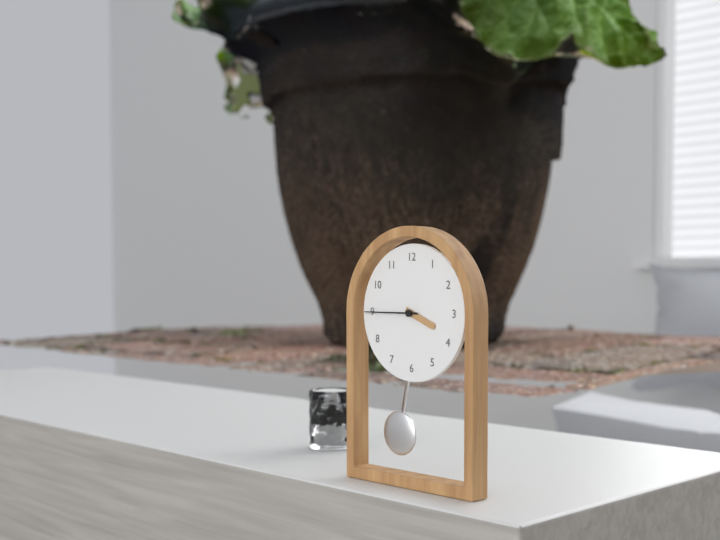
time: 3:45
